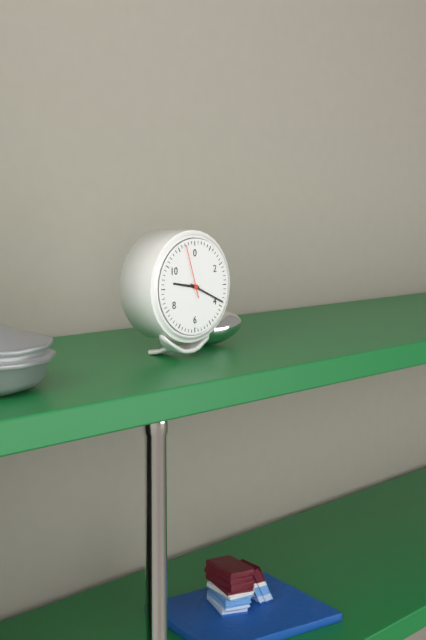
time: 9:19:57
